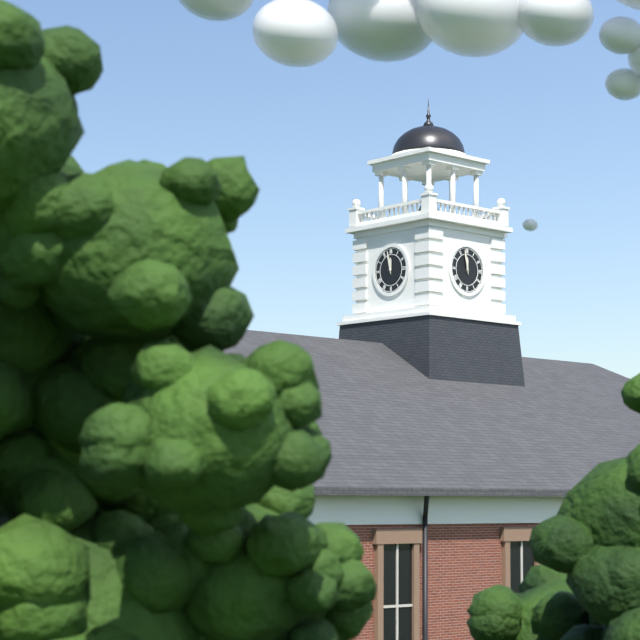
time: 11:58
